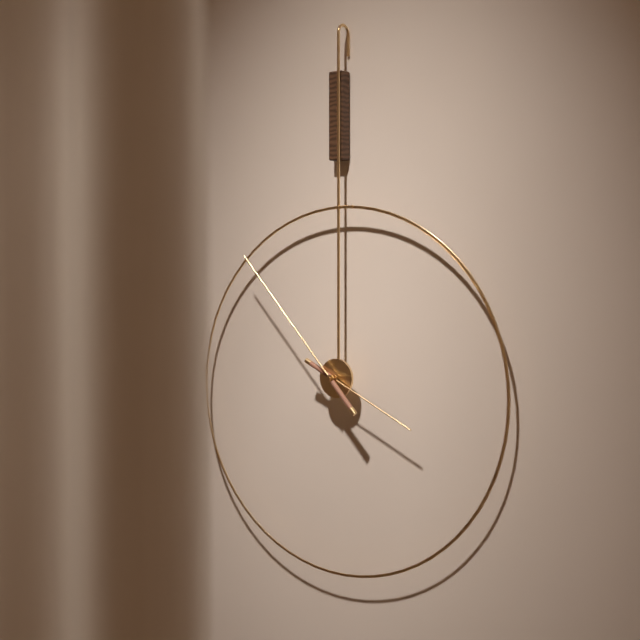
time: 3:53
